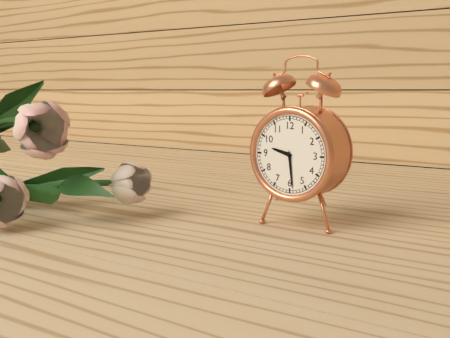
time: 9:29
